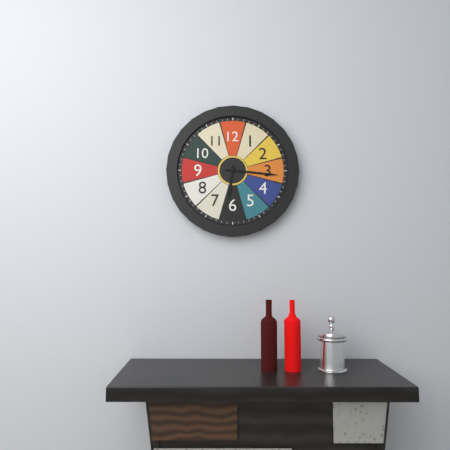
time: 6:16
